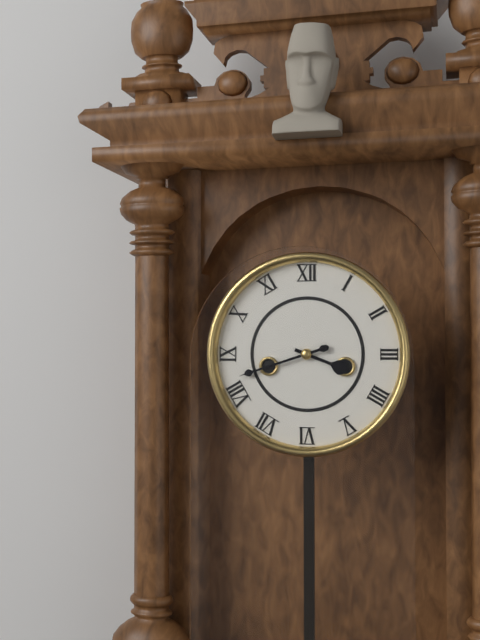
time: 3:42
